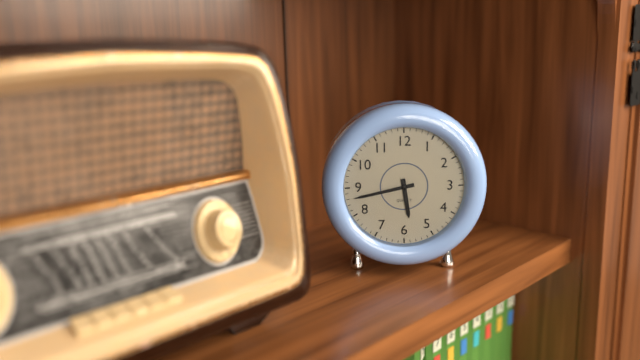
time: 5:43
